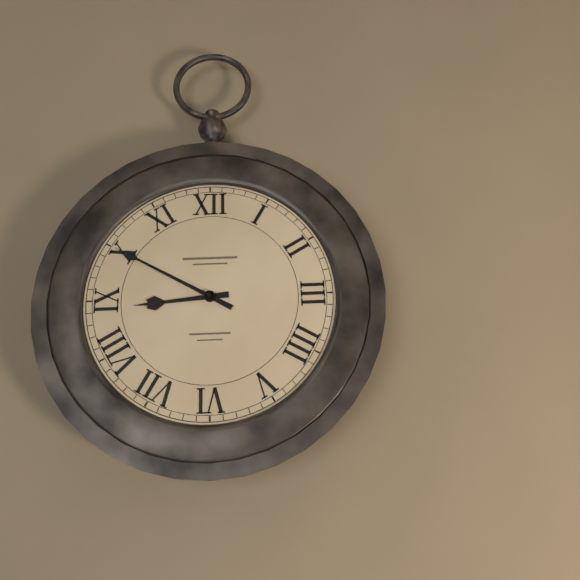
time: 8:50
